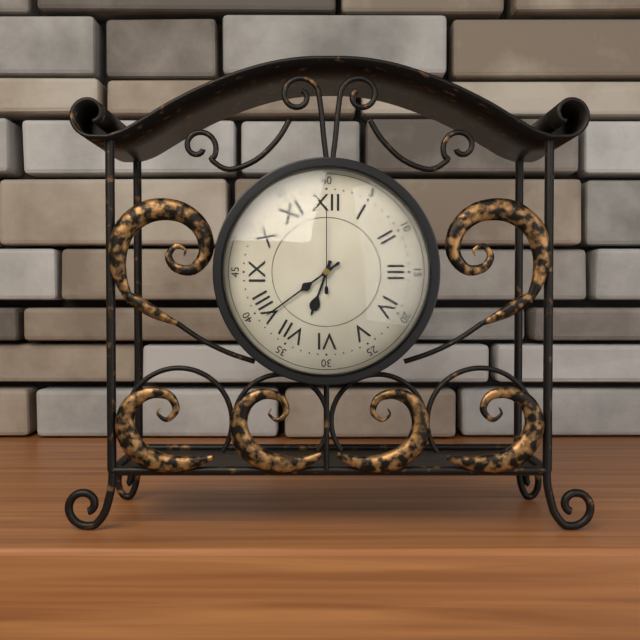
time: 6:39:00
